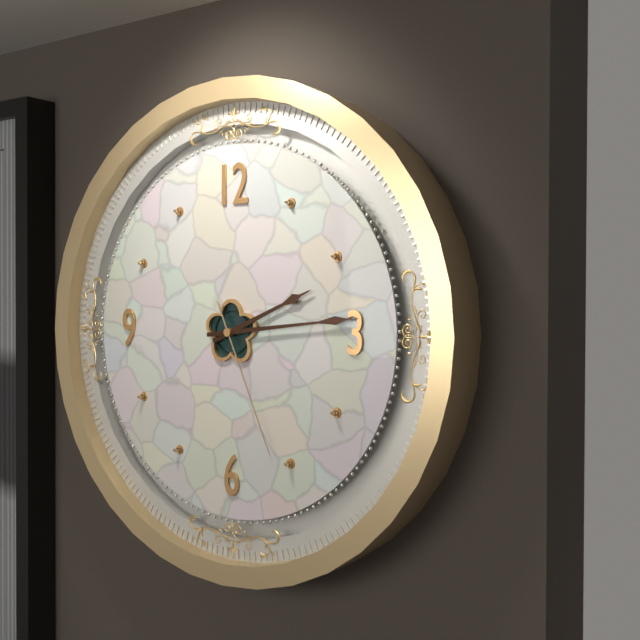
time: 2:14:26
